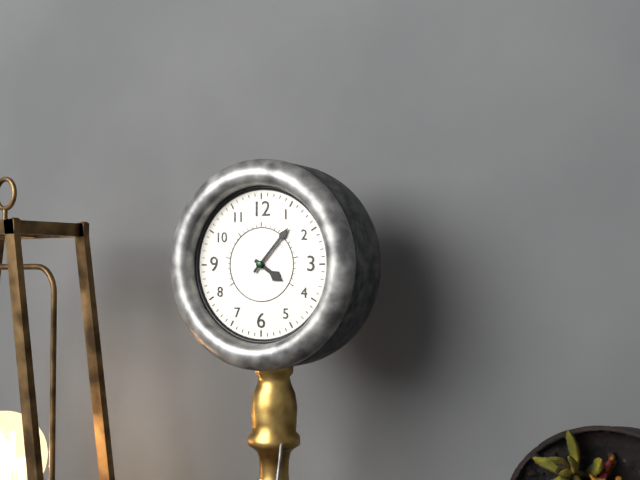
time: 4:07
